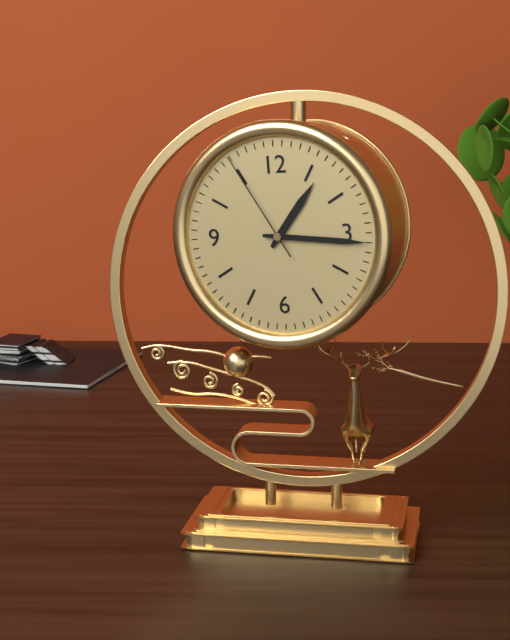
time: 1:16:55
